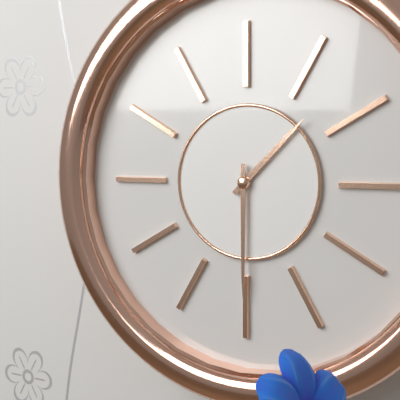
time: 1:30
